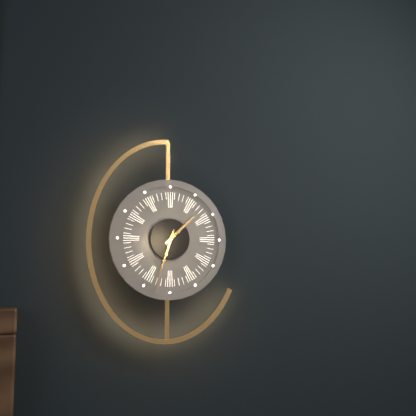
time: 1:33
